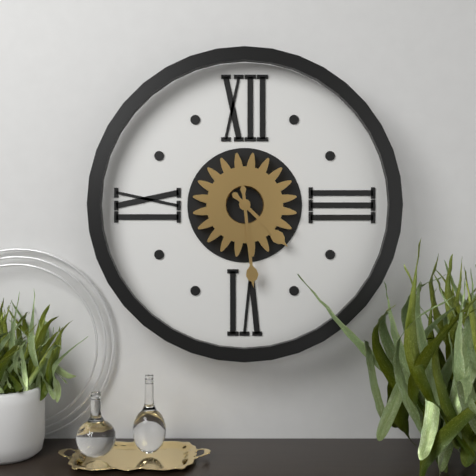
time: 4:29
